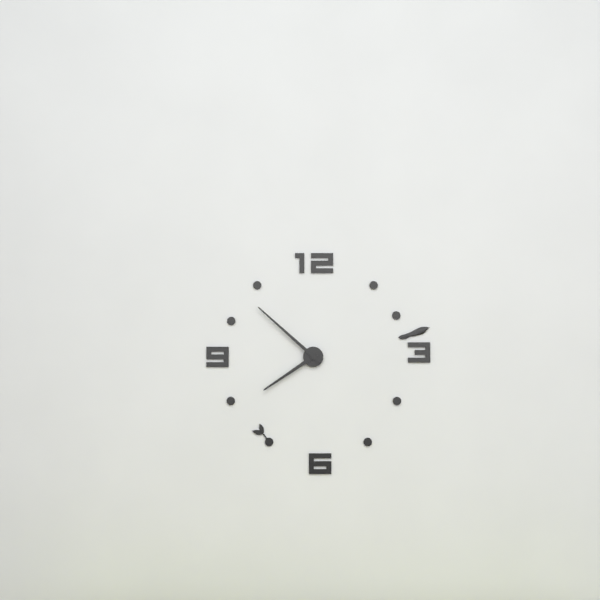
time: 7:52
